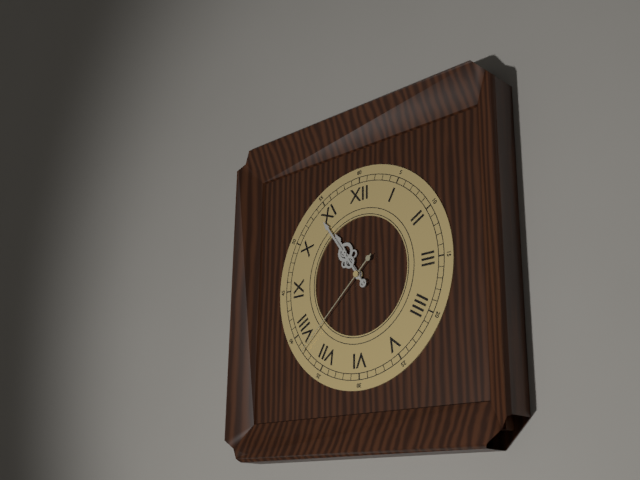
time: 10:54:38
